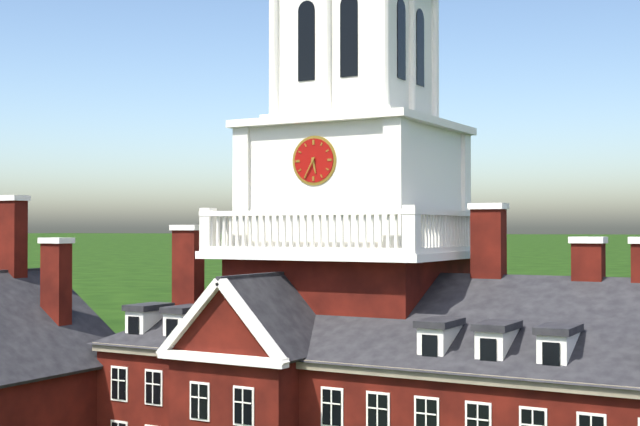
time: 5:35
